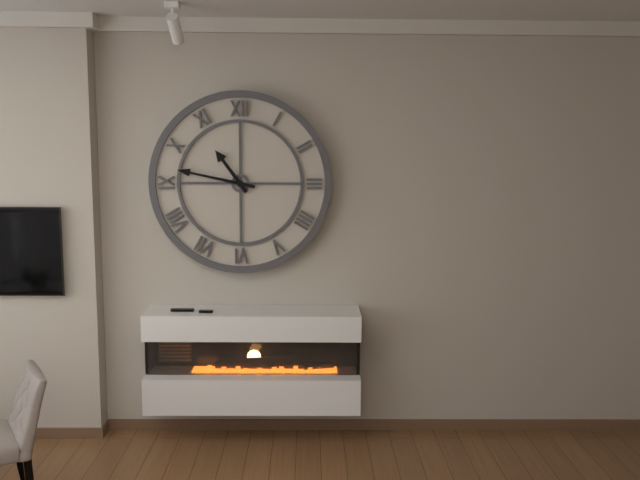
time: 10:47
